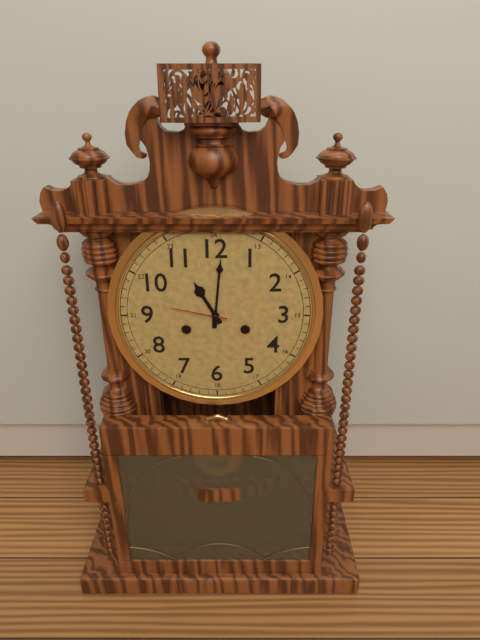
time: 11:01:47
